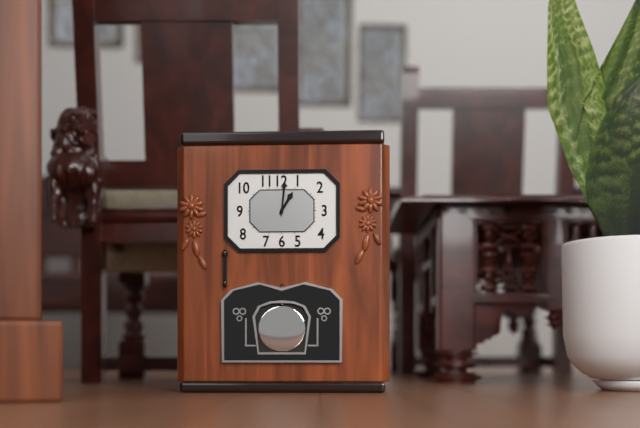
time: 1:01
